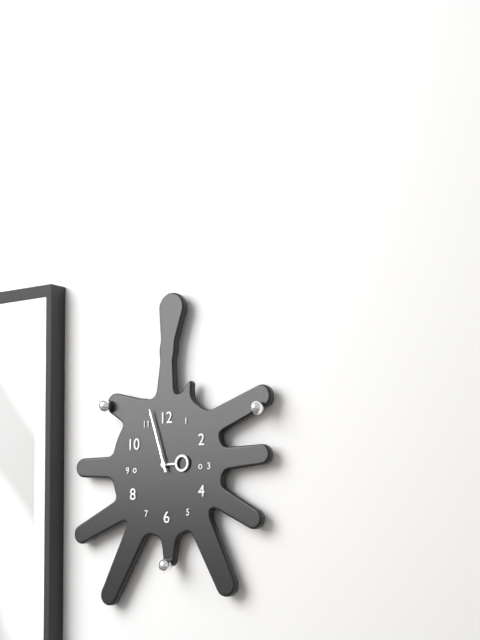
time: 2:57
